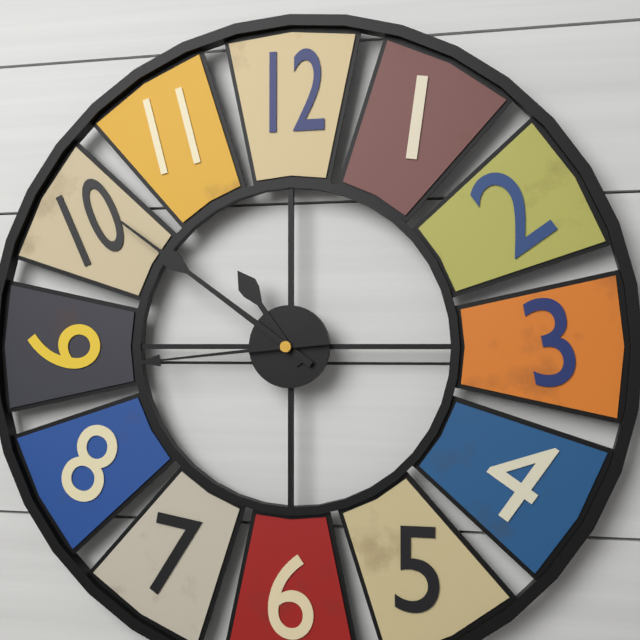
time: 10:51:44
